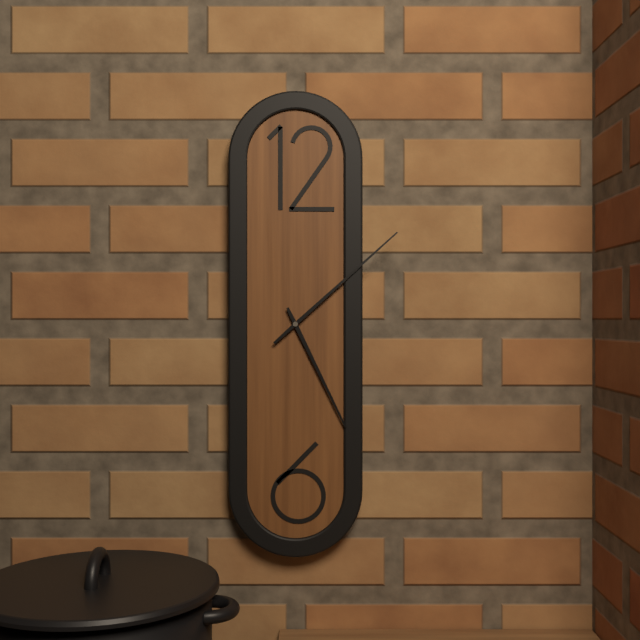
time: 5:08
